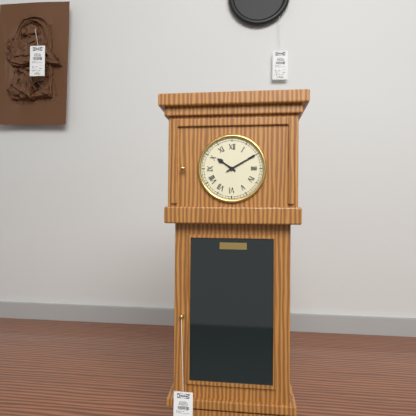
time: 10:10
